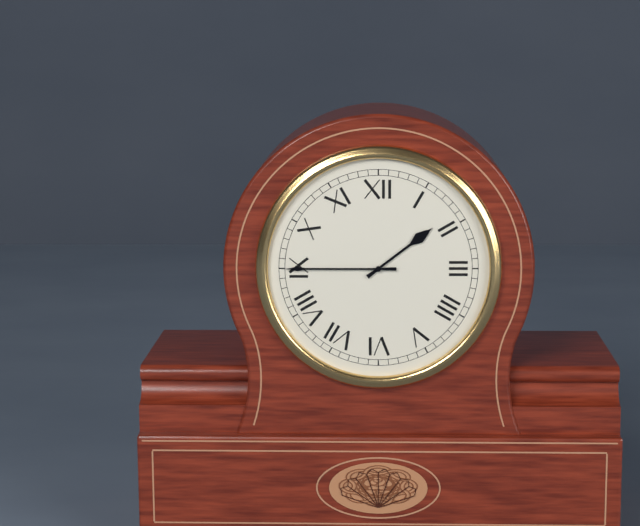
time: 1:45
